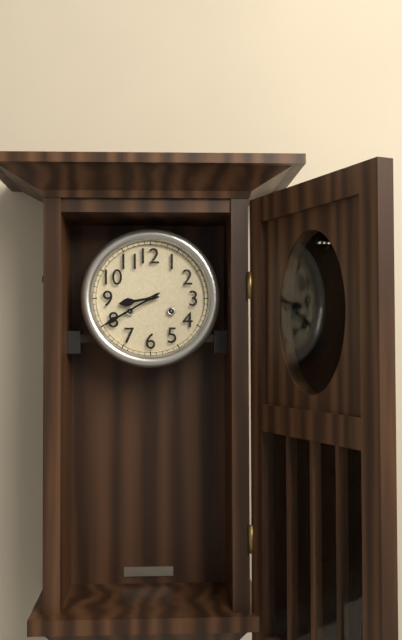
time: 8:40
